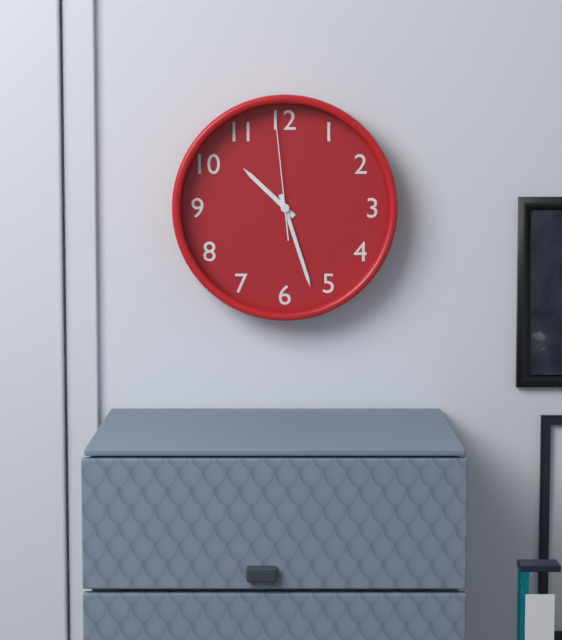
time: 10:27:59
